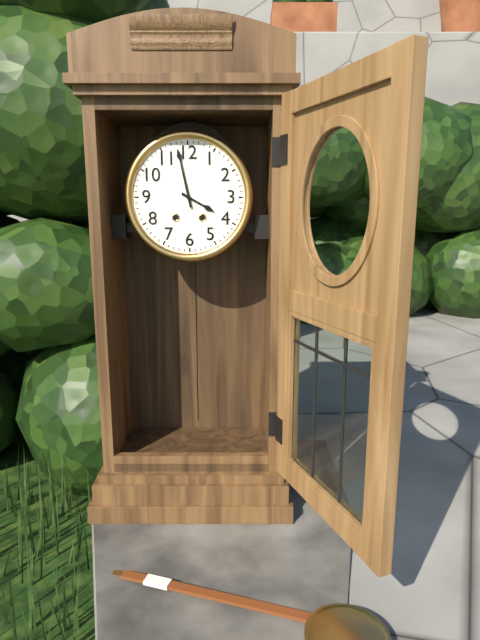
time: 3:58
